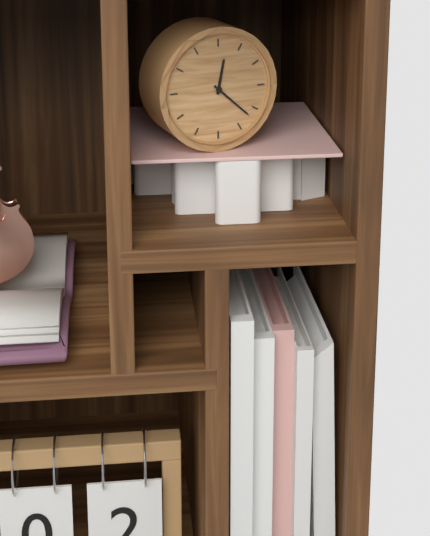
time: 12:22
